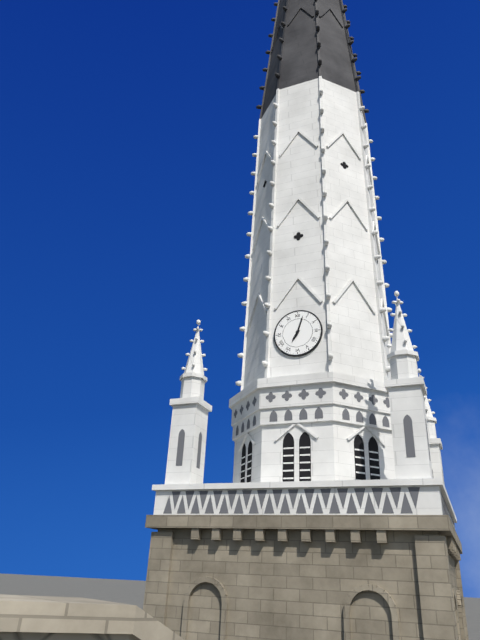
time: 7:03
